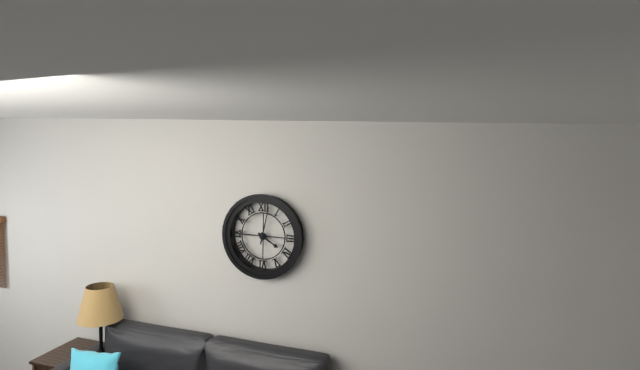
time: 4:02
